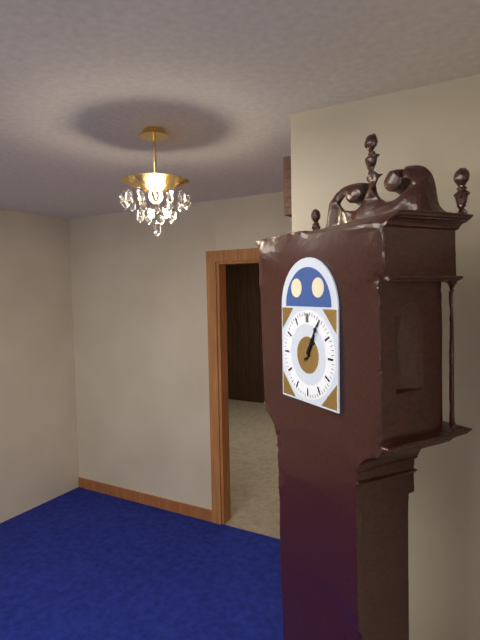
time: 1:05
